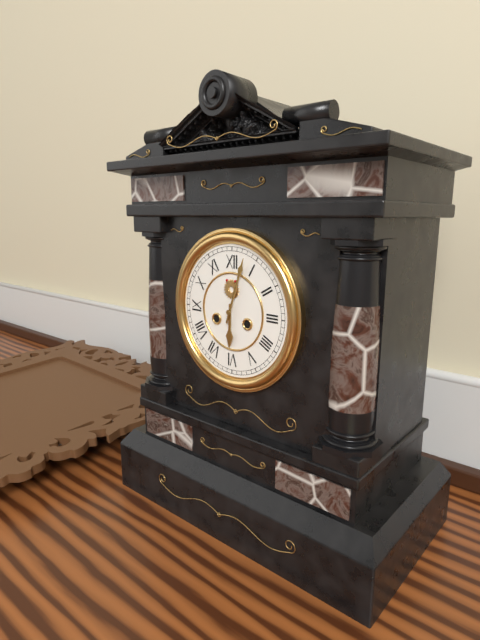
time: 6:03
